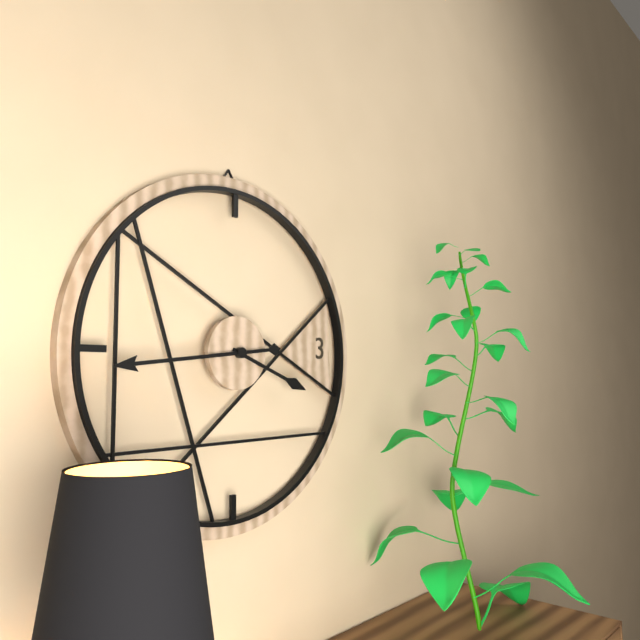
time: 3:44
